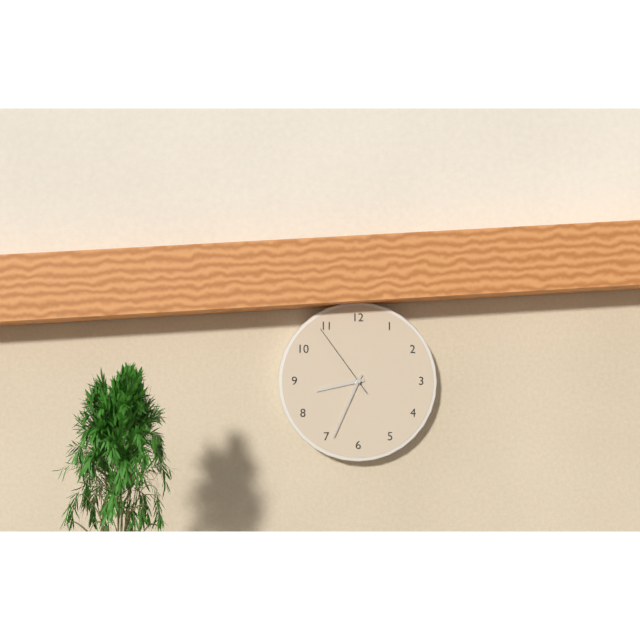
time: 8:34:54
